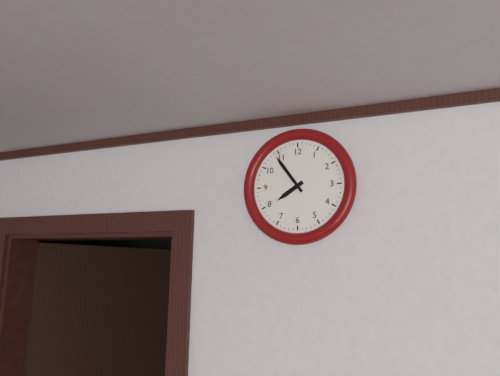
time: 7:54
